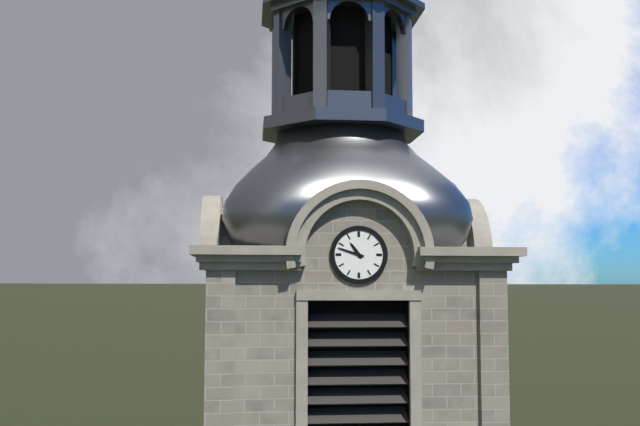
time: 10:48
